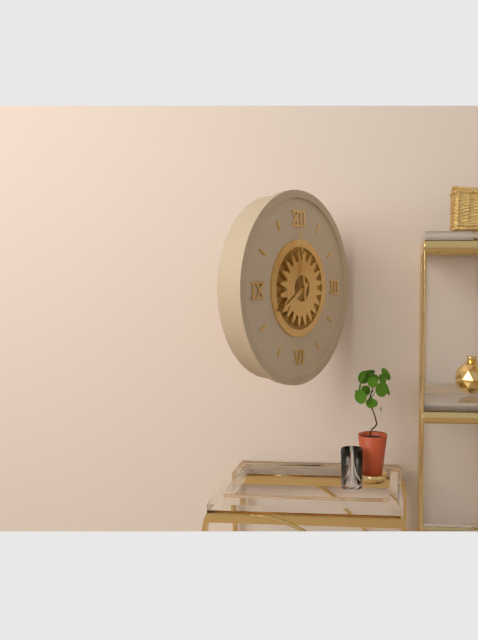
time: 7:59
